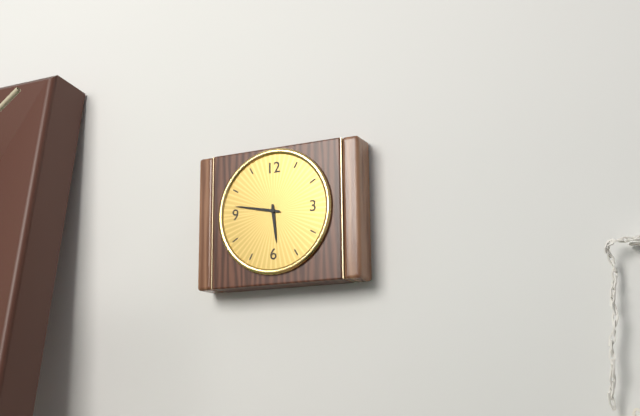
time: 5:47
